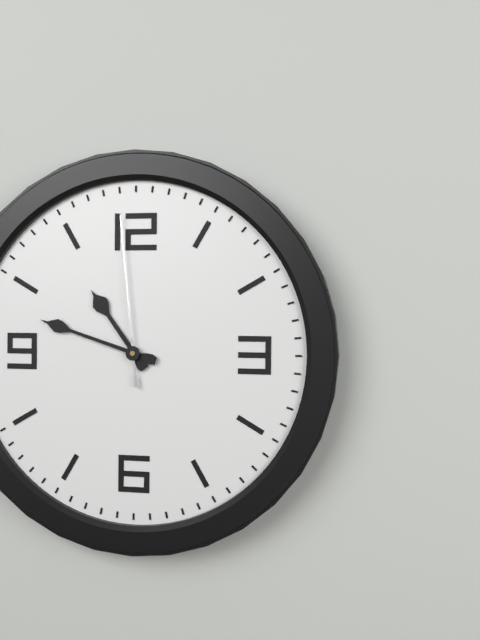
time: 10:48:59
